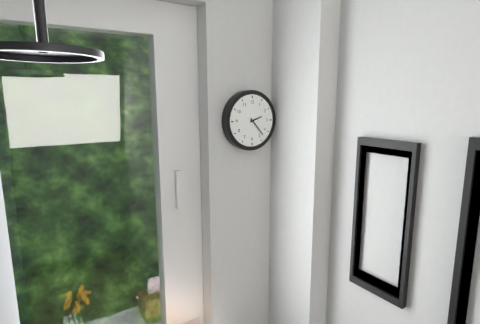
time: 2:23
